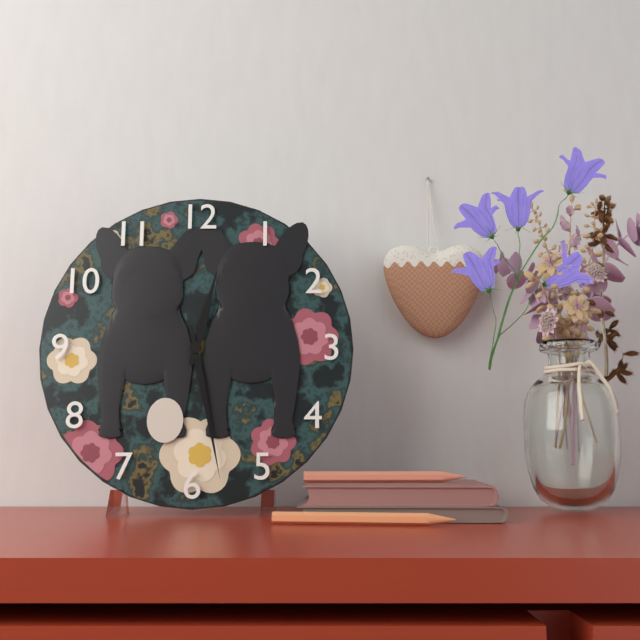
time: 12:28
